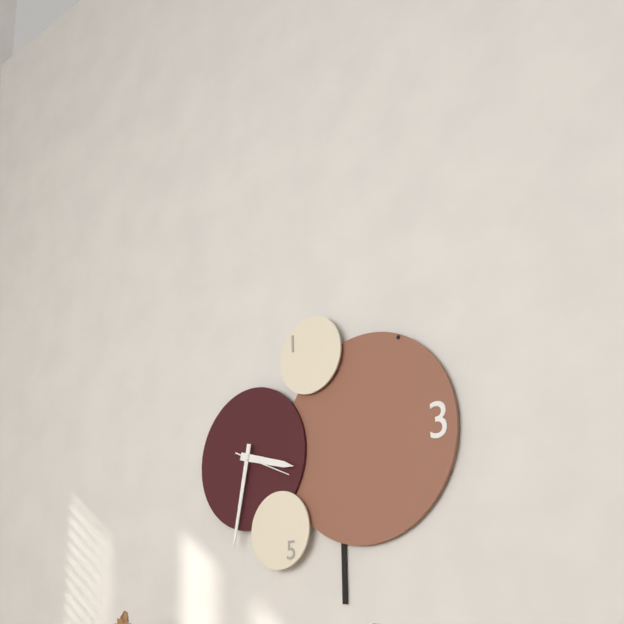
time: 3:32:19
